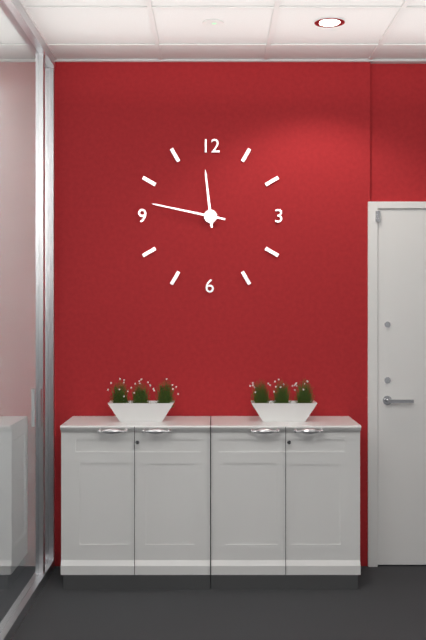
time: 11:47
